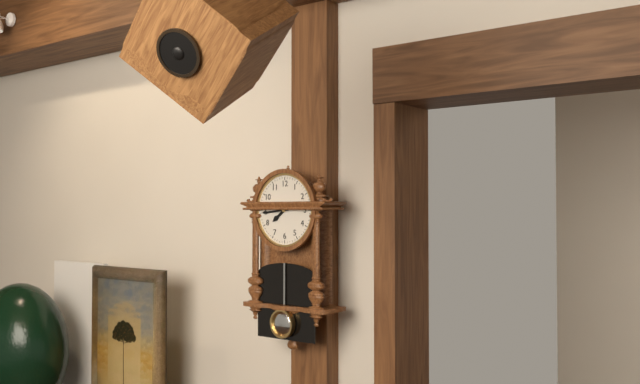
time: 7:44
